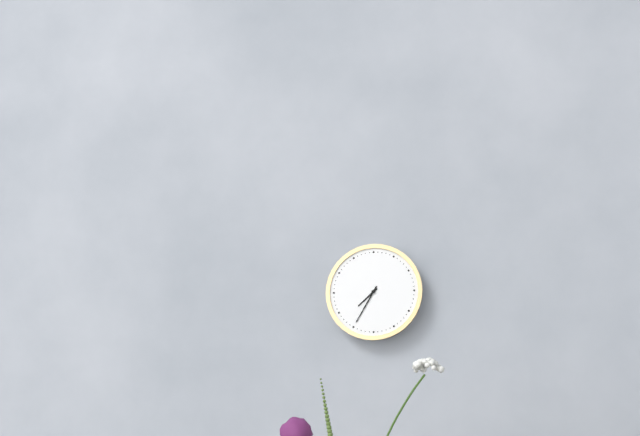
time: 7:35
